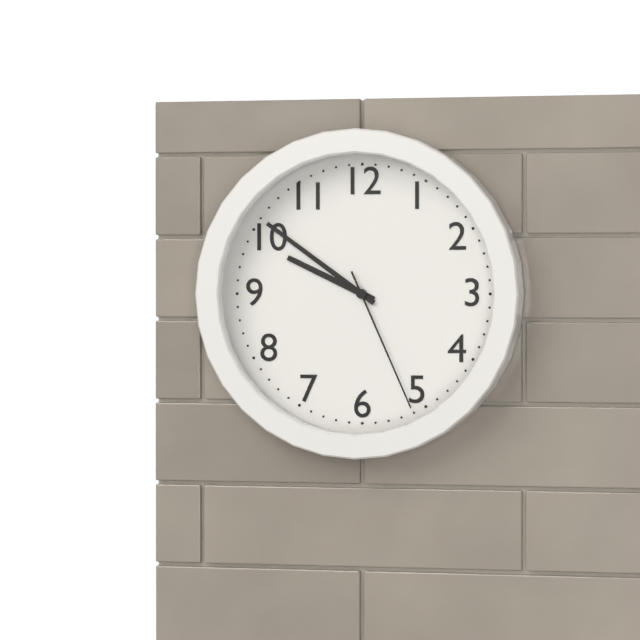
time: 9:51:26
